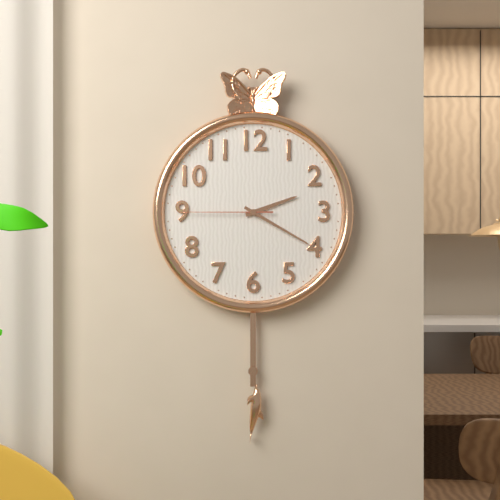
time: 2:20:45
